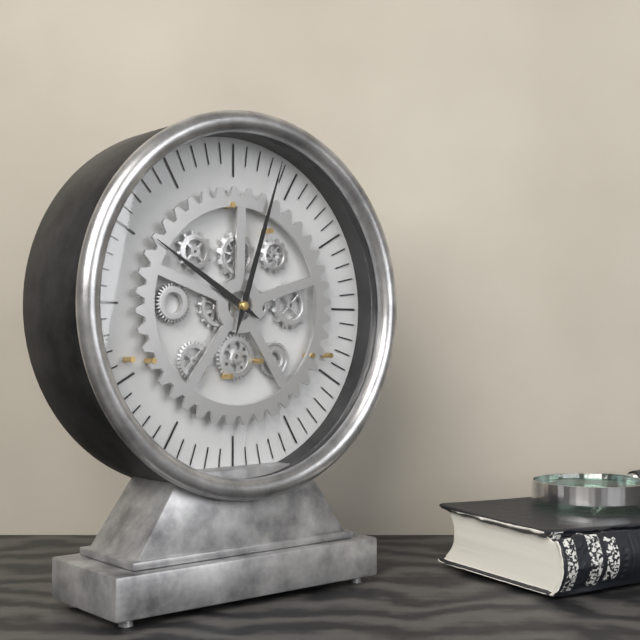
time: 10:03
